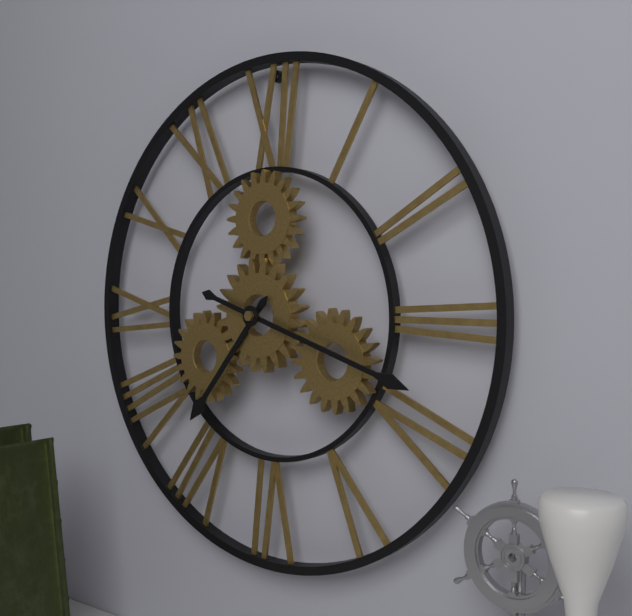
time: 7:18
